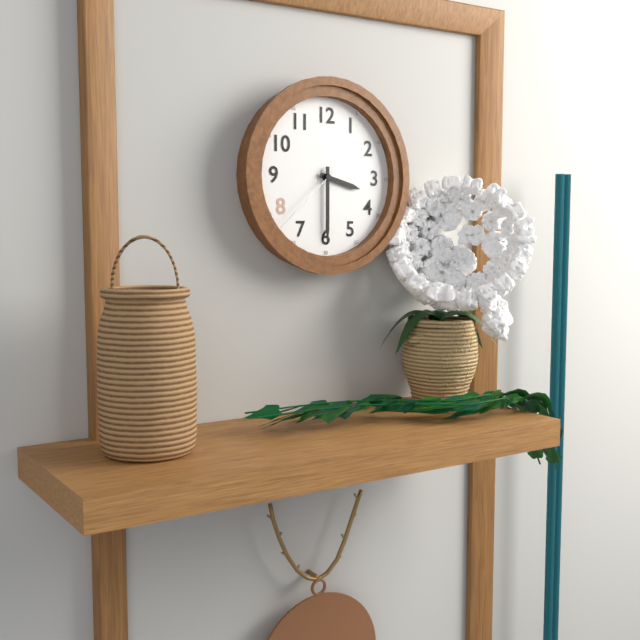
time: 3:30:38
